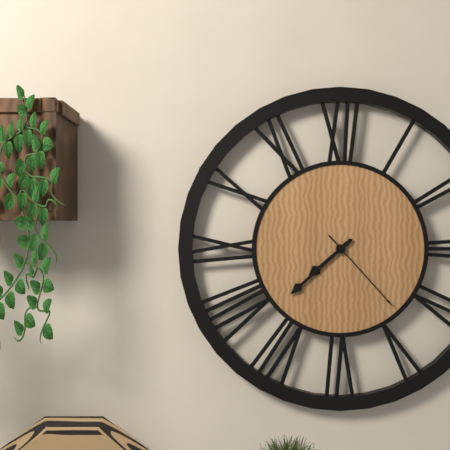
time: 7:38:23
